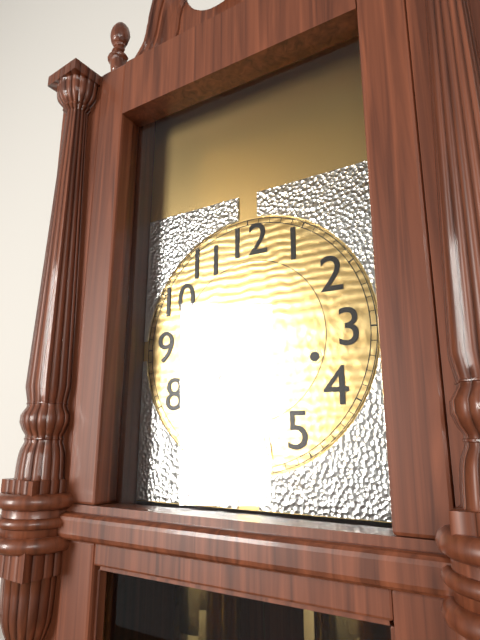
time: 7:28
